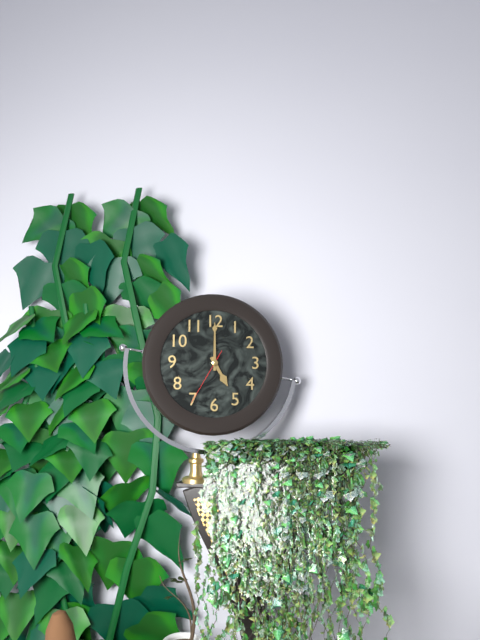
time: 5:00:35
